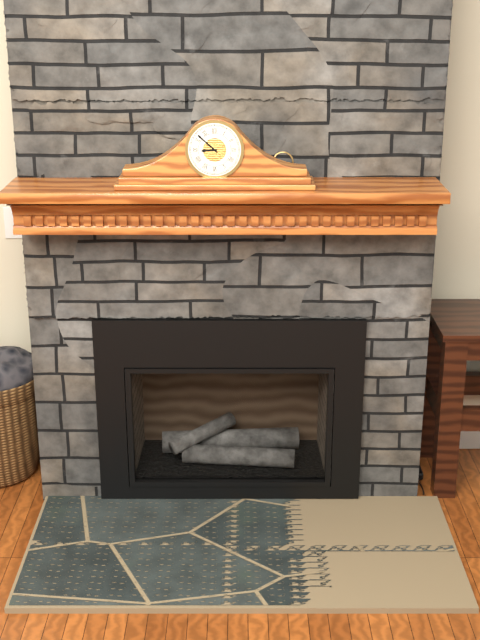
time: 8:52
